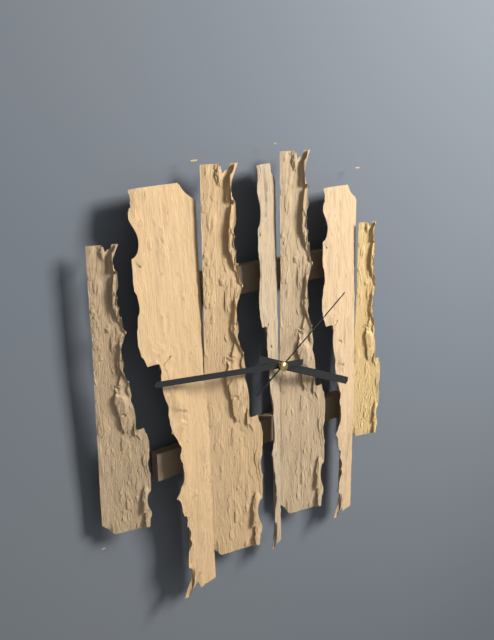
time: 3:46:09
